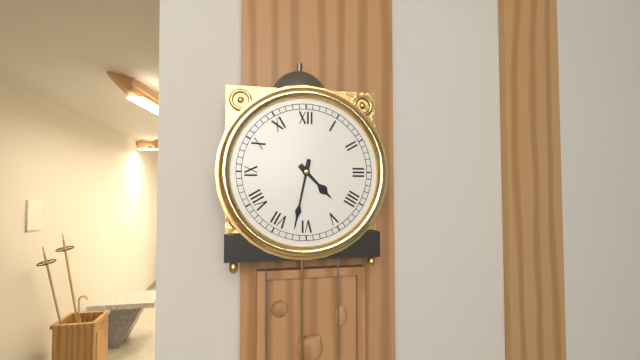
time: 4:32
